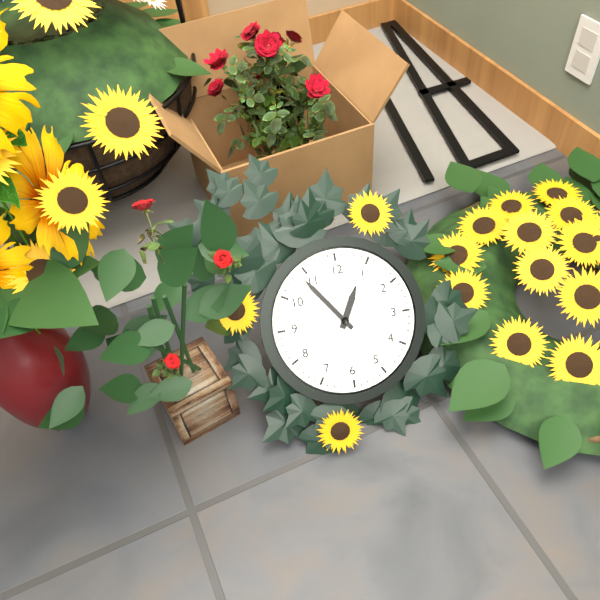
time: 12:54
